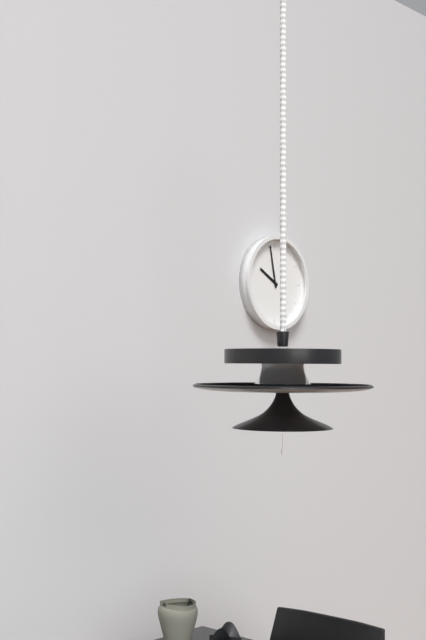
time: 9:58
